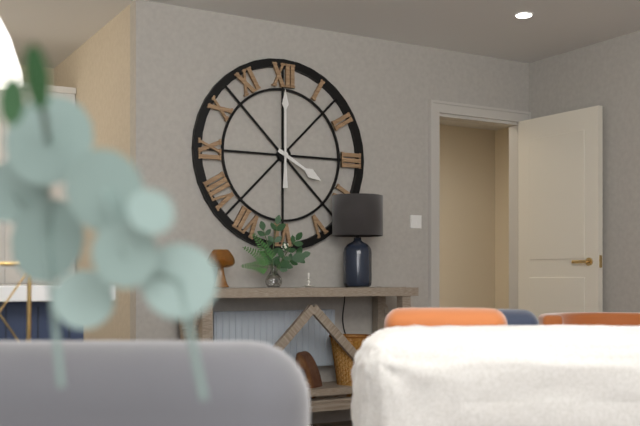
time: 4:00
